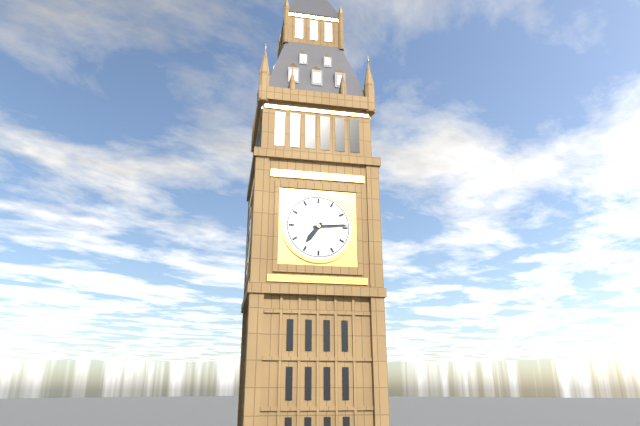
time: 7:14
